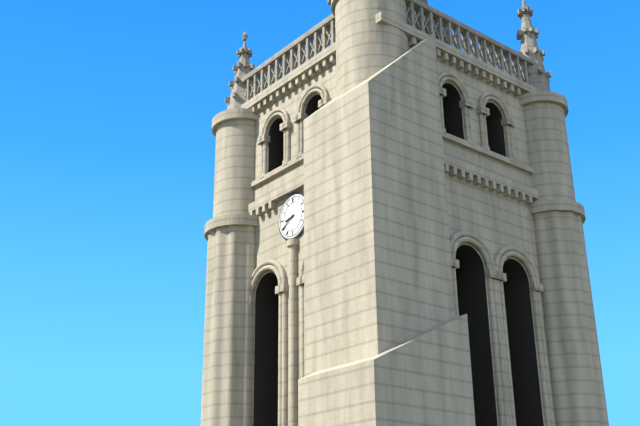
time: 8:40
